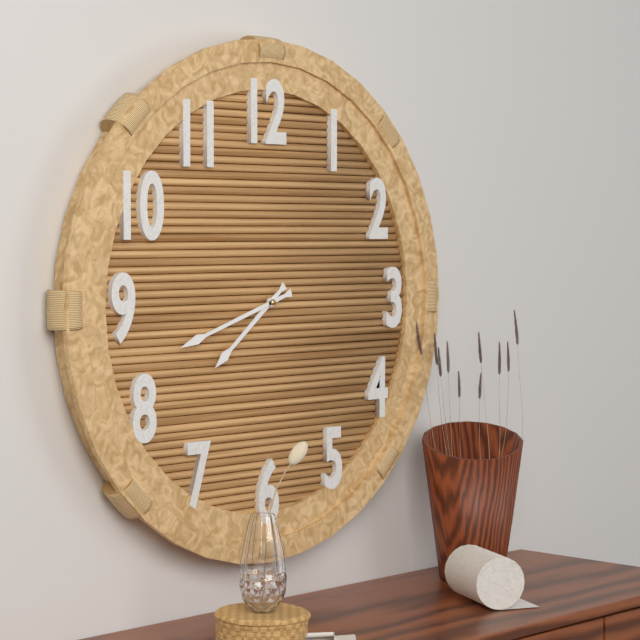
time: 7:42
